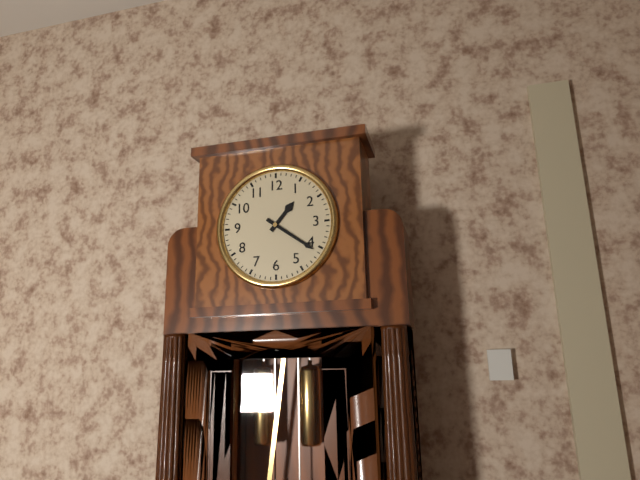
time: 1:21
